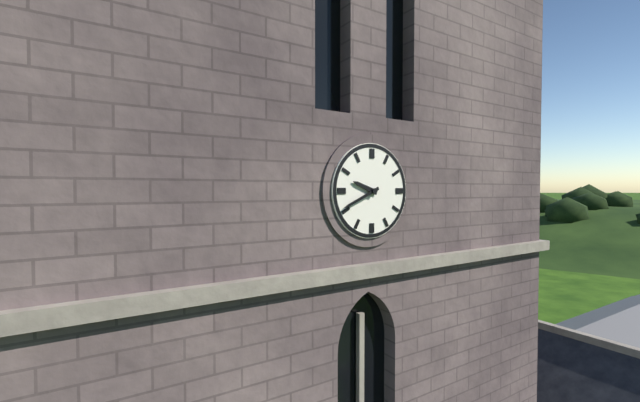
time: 9:41
